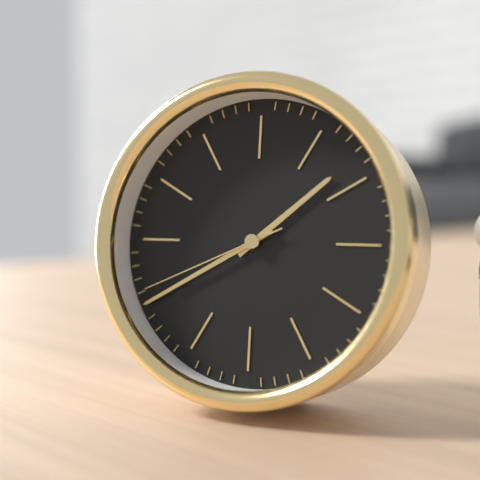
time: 1:40:41
